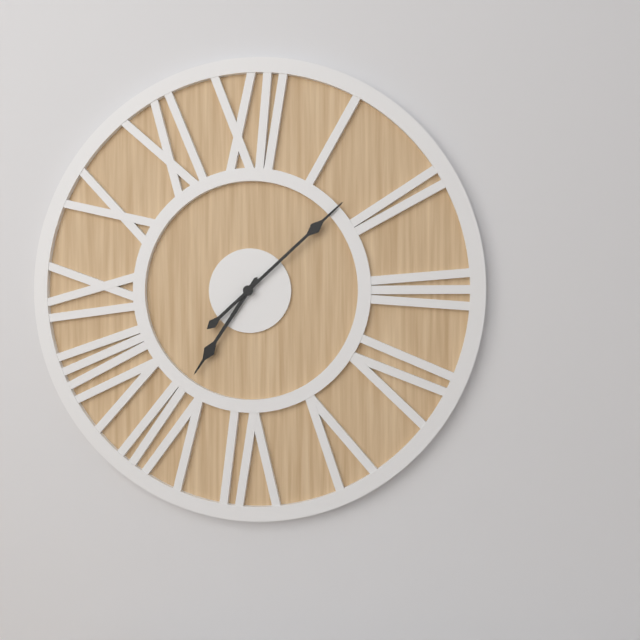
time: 7:08
